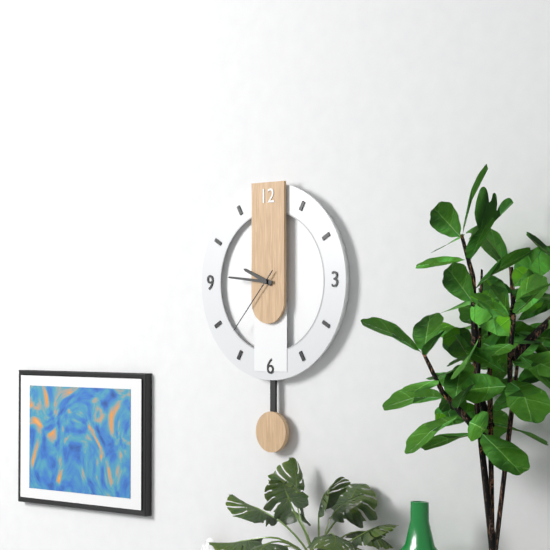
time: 9:46:37
